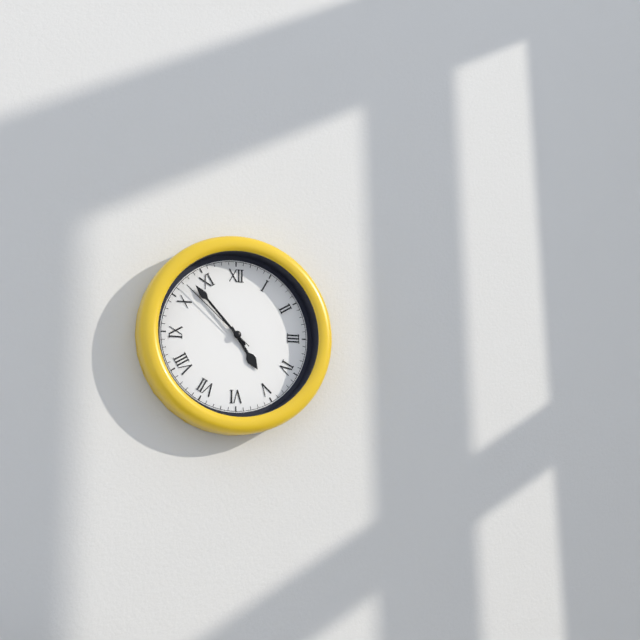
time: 4:53:52
